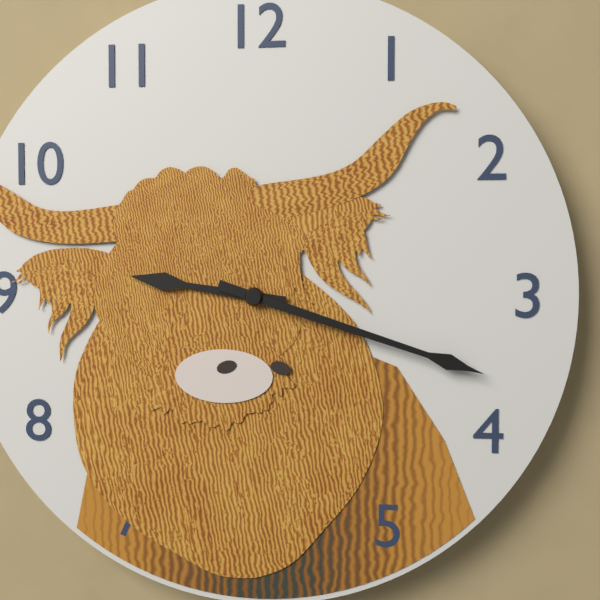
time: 9:18
